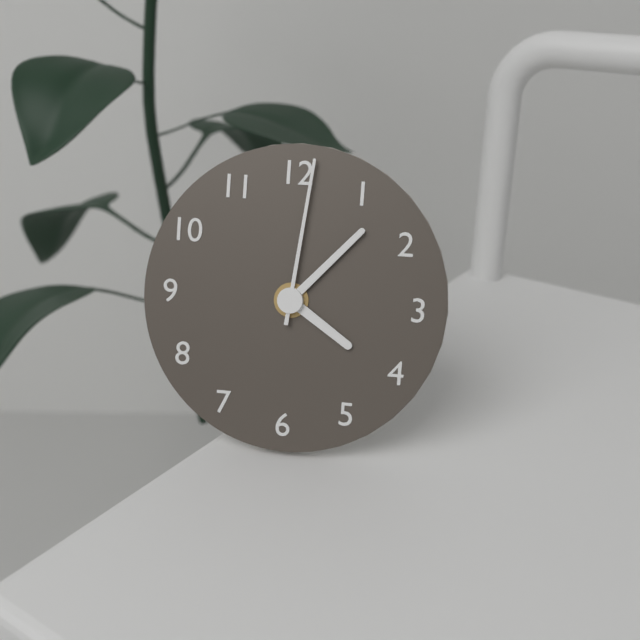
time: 4:07:01
